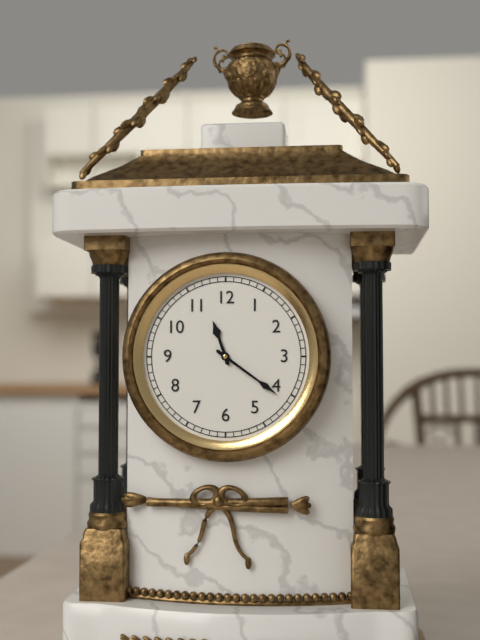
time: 11:21
